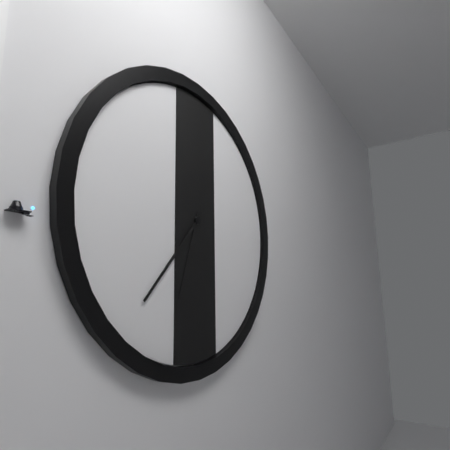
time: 6:37
